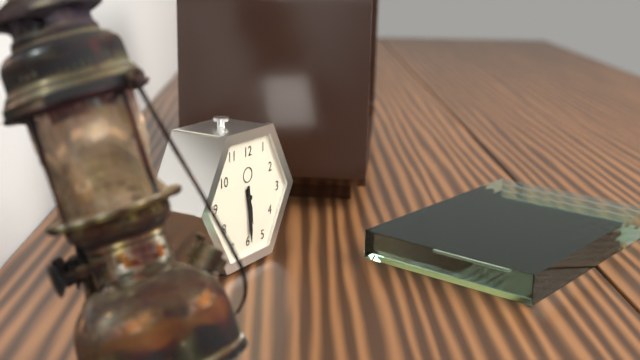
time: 5:29
